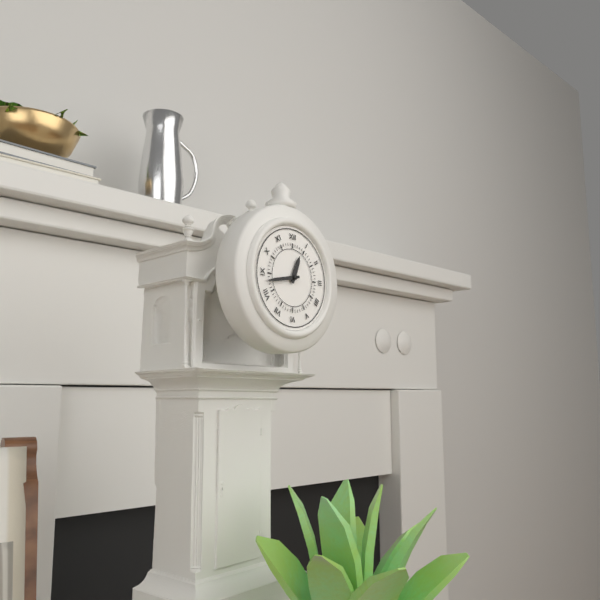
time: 12:43
